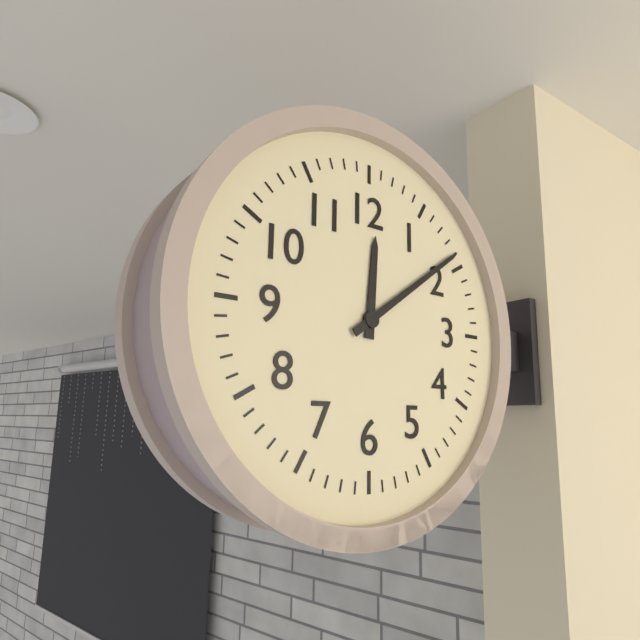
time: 12:09
